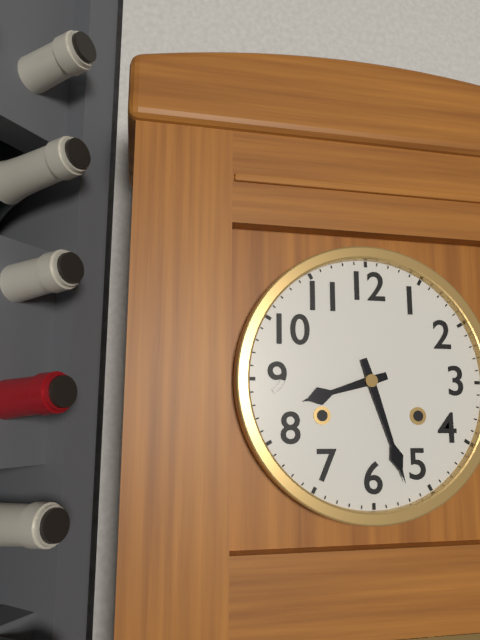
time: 8:27
